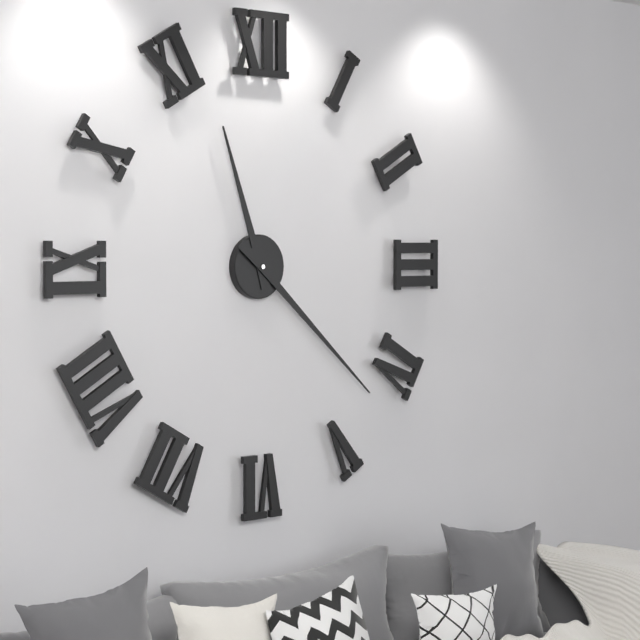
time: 11:22
